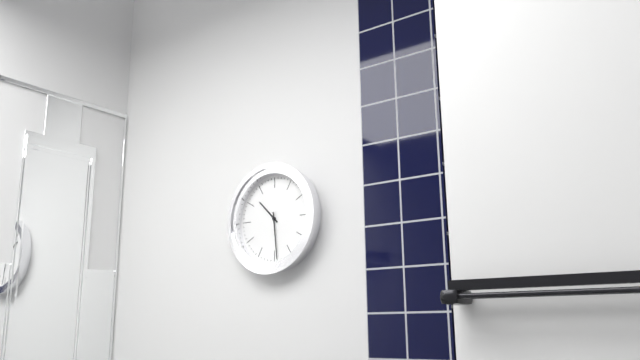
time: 10:29
